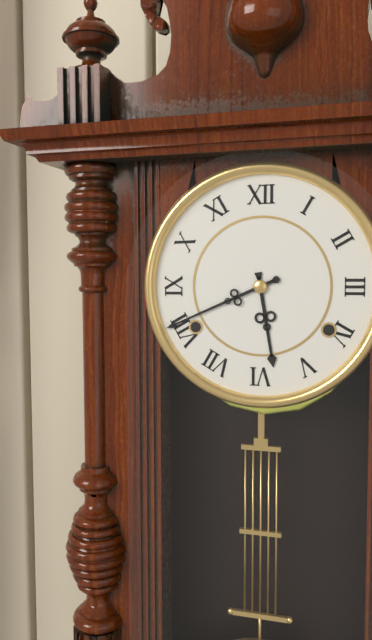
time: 5:41
